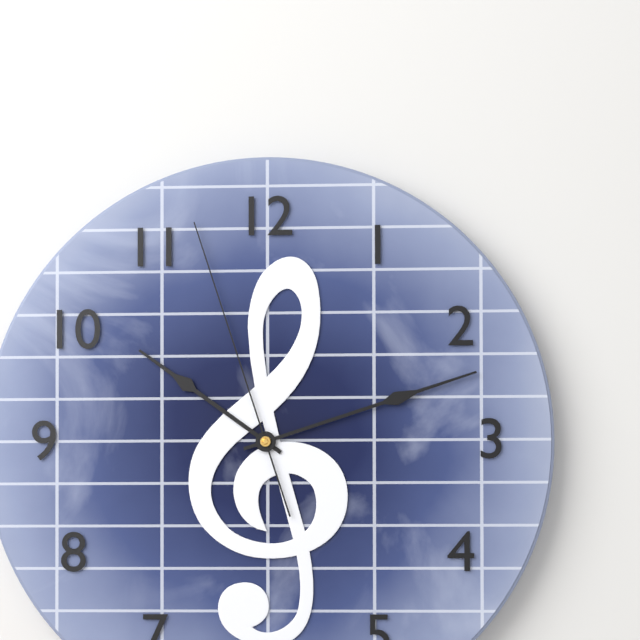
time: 10:12:57
